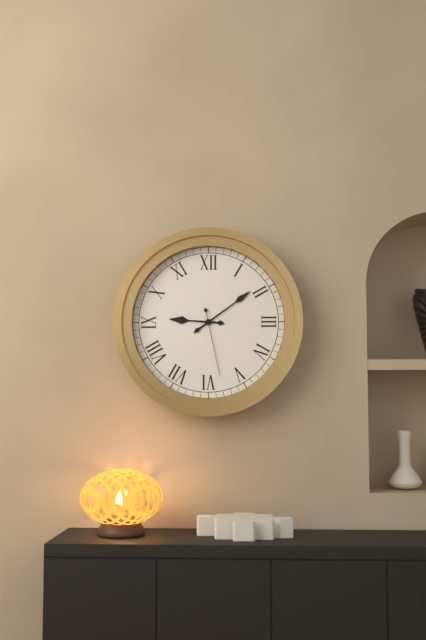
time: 9:09:28
